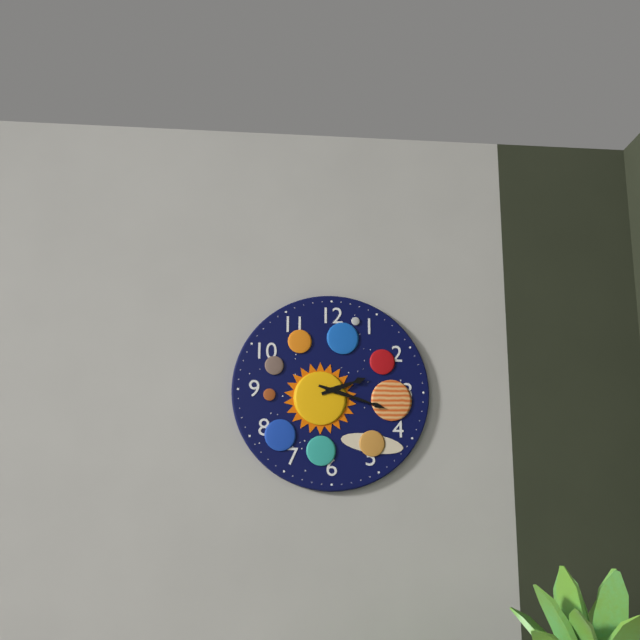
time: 2:18
